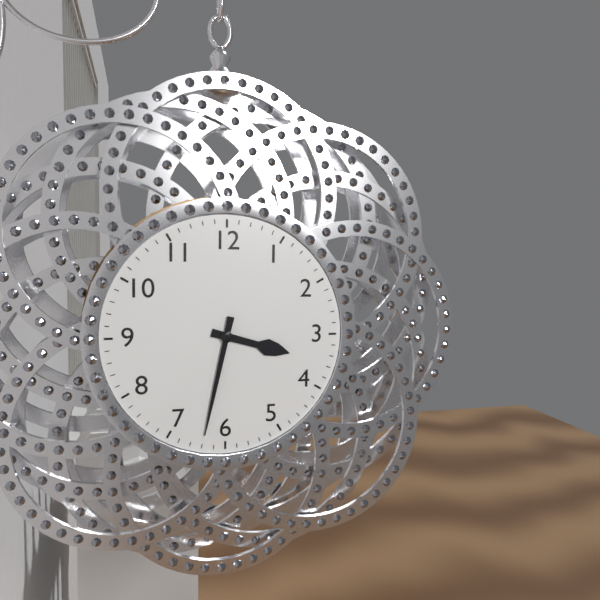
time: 3:32
